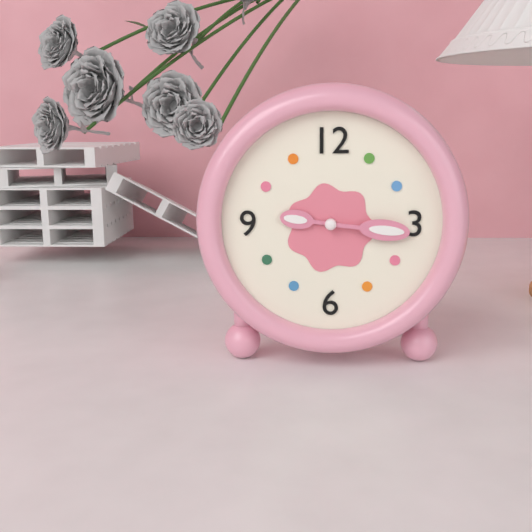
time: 9:16
